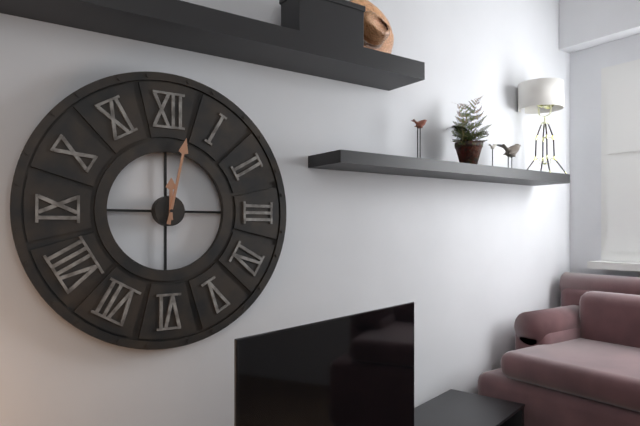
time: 12:02
